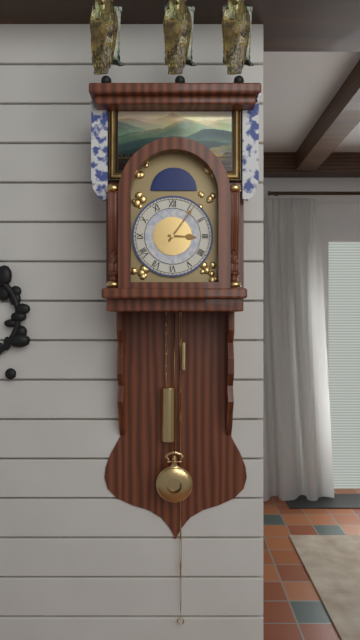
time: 3:06
